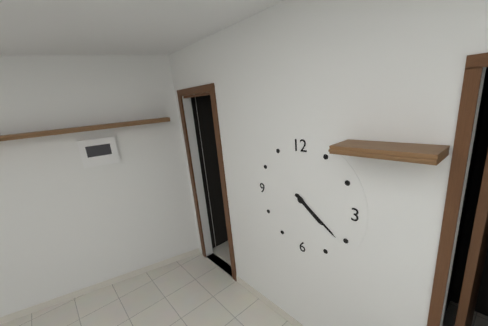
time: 4:21
